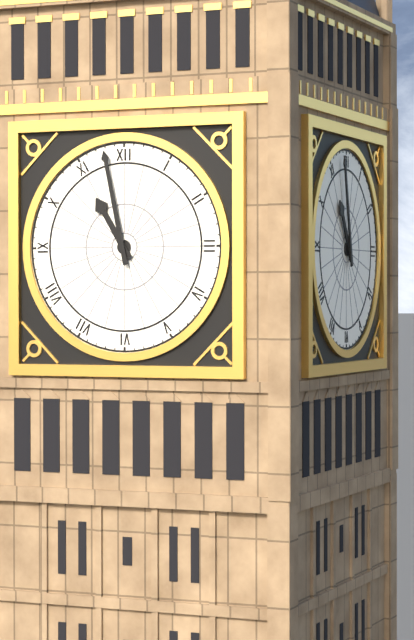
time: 10:58
